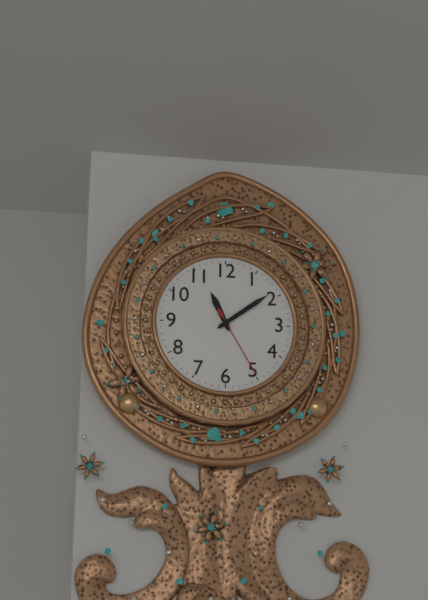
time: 11:09:25
